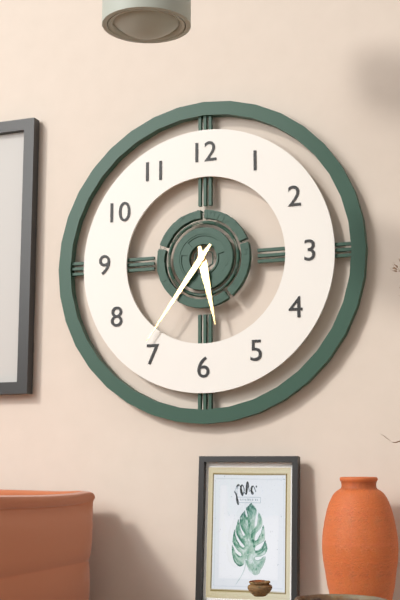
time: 5:36
